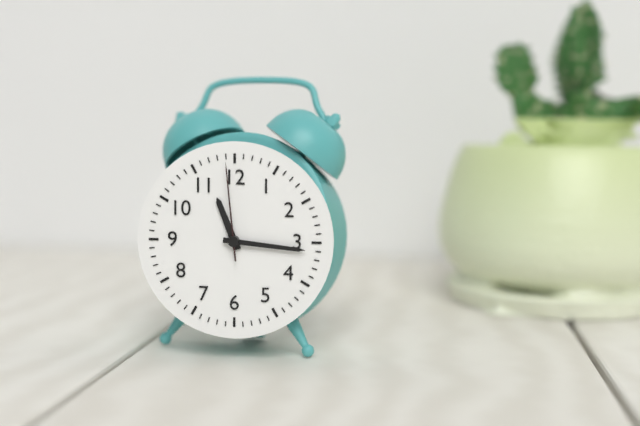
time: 11:16:59
